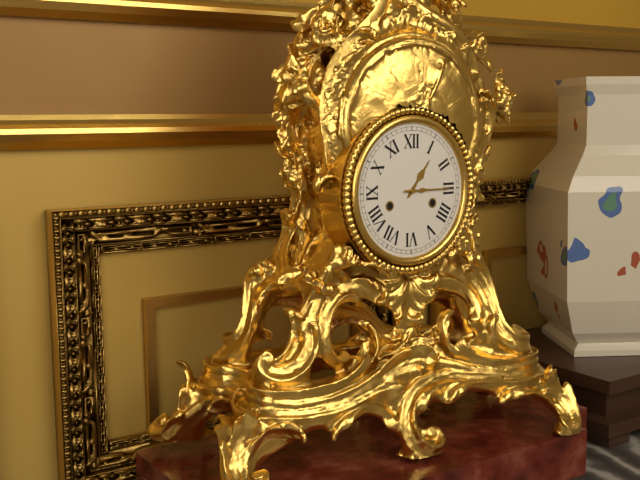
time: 1:15
